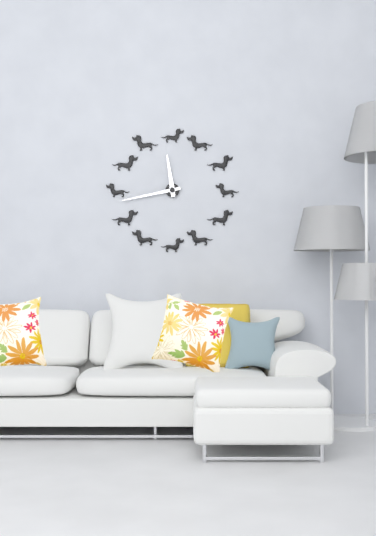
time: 11:43
